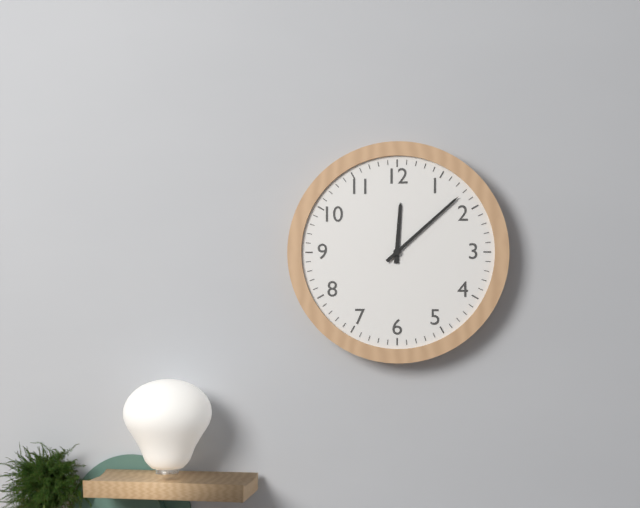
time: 12:08
